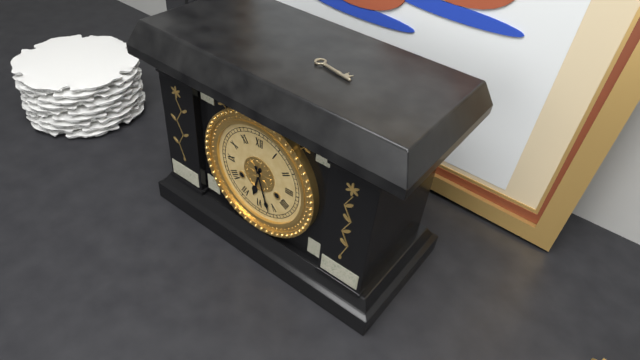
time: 6:27
